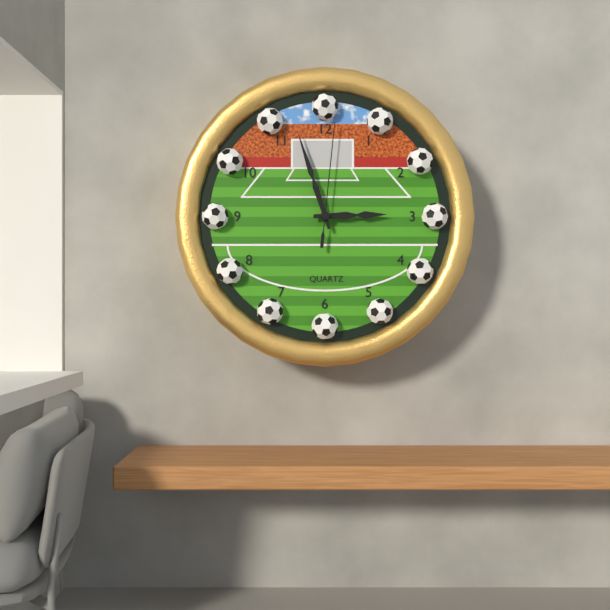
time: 2:57:01
